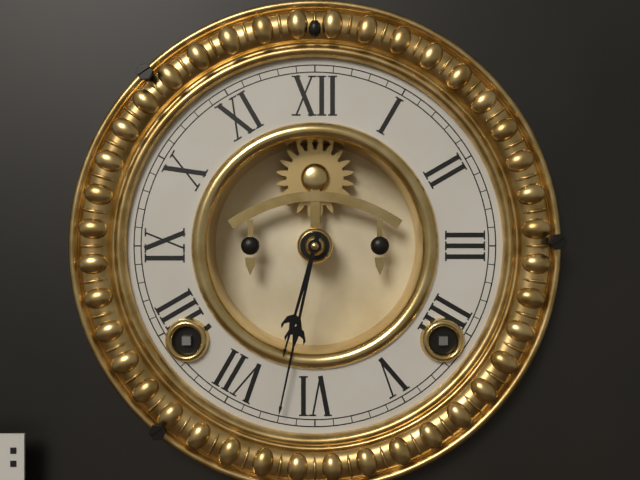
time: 6:32
